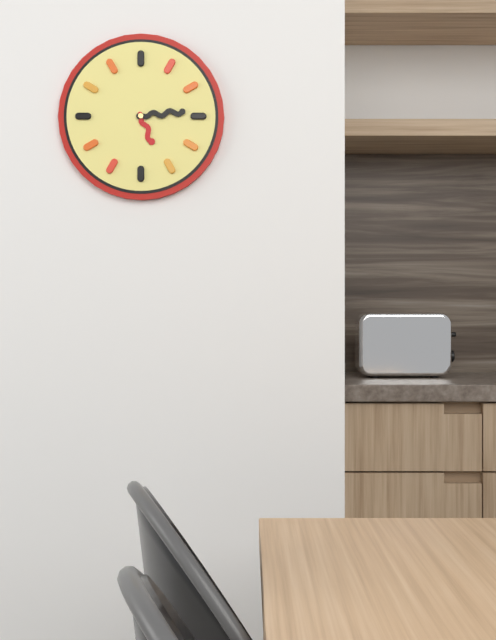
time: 5:14
